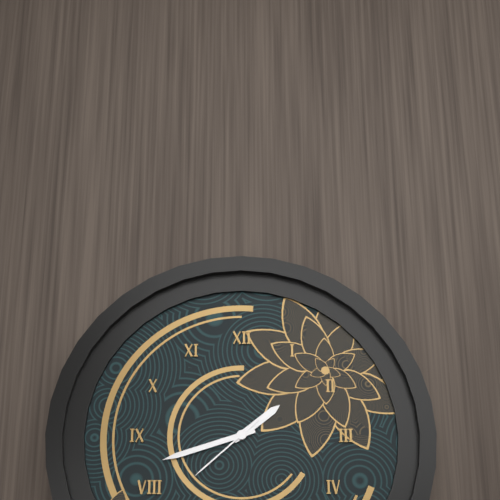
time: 1:42:38
